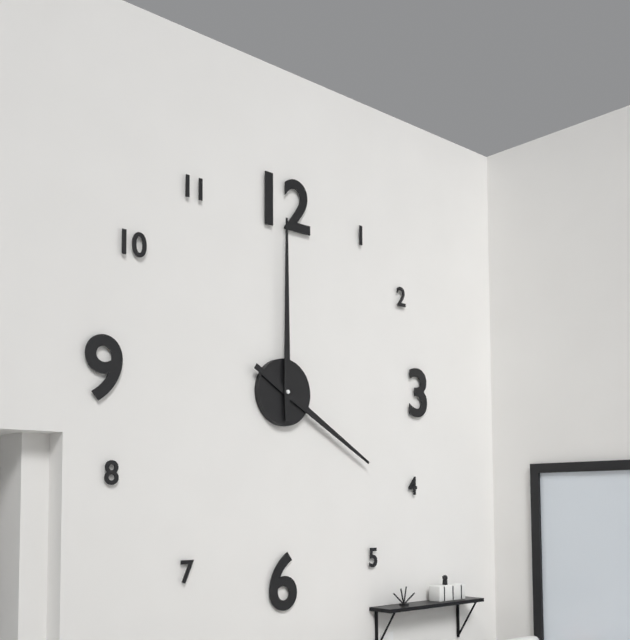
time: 4:00
